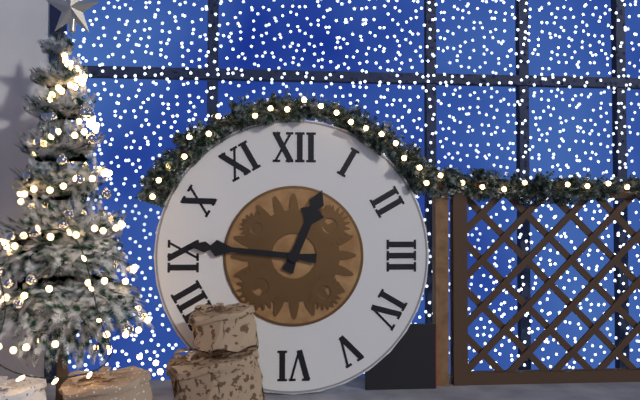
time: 12:46
